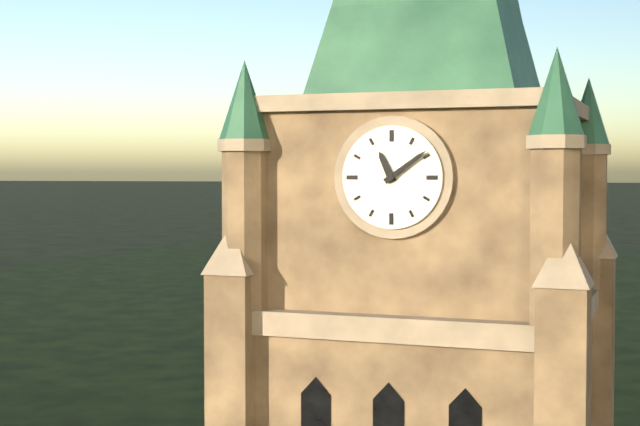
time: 11:09
